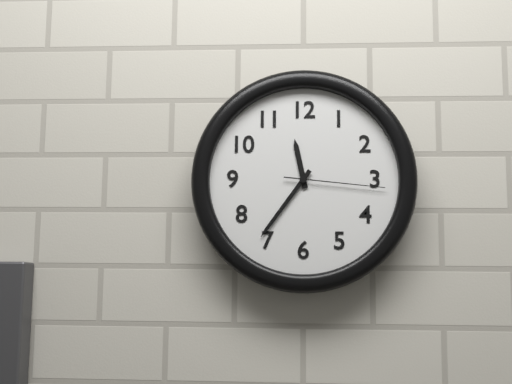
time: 11:36:16
